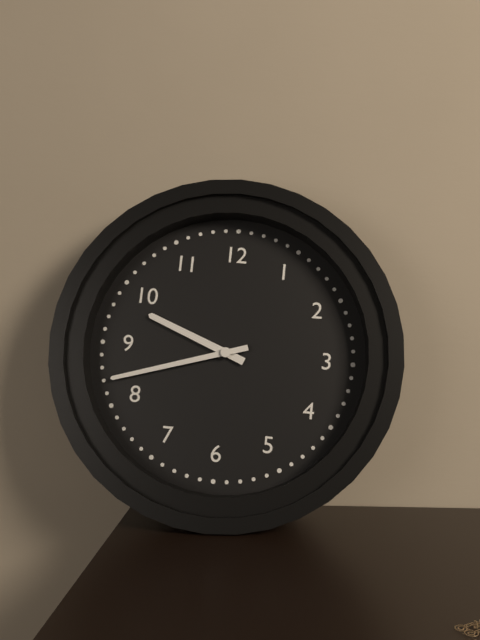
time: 9:42
